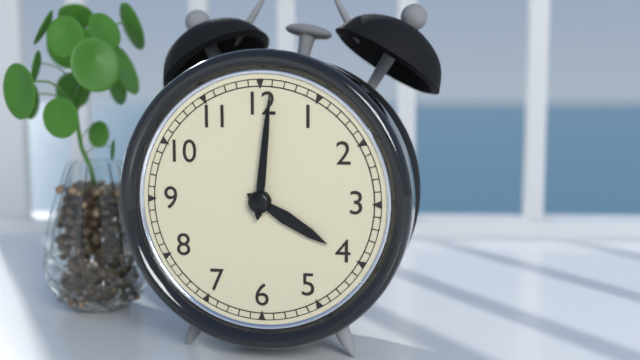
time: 4:01
